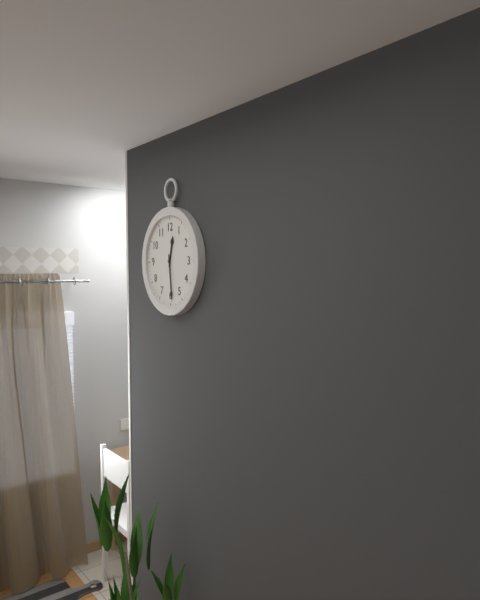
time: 12:29
